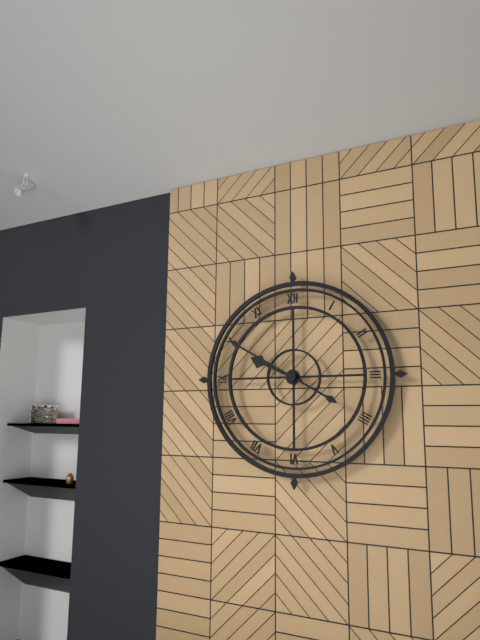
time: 9:50
